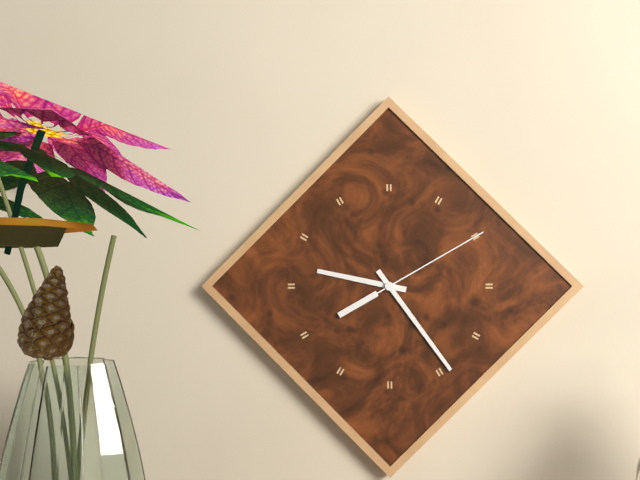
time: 9:24:10
